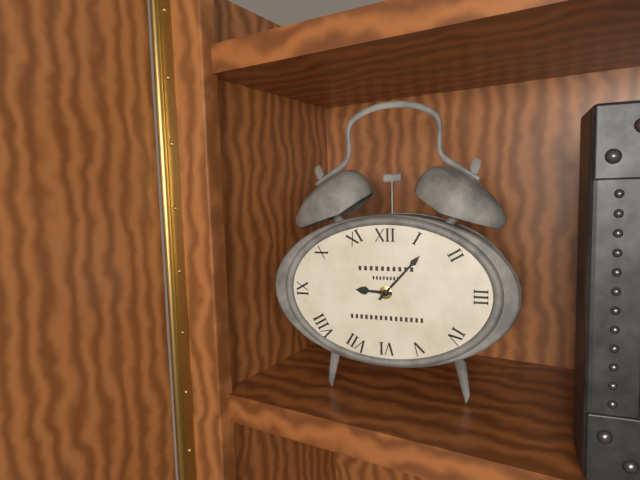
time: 9:07
